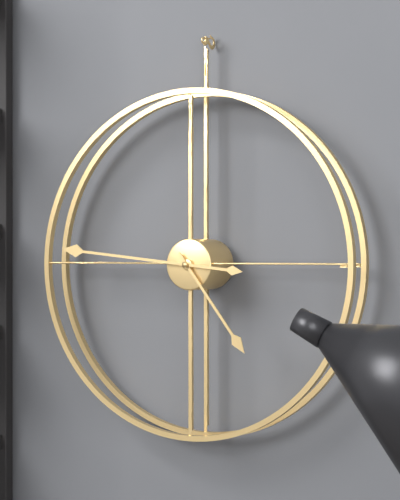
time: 4:46
